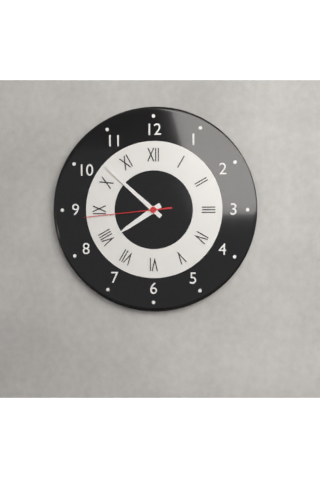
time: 7:52:44
